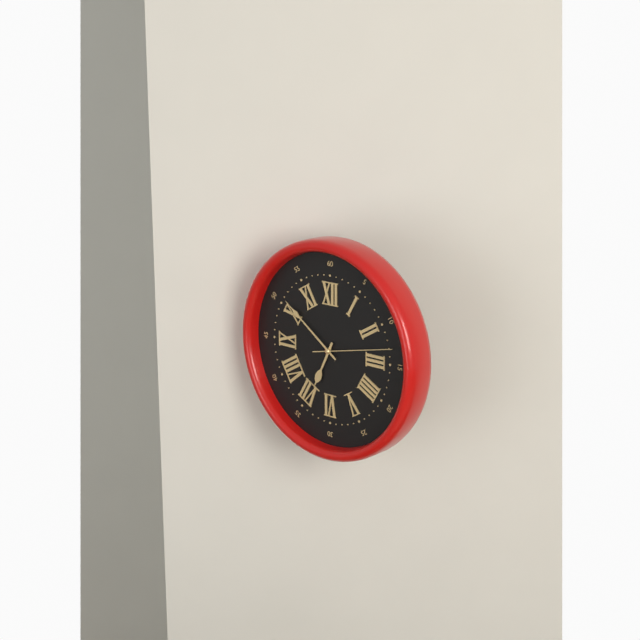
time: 6:51:13
